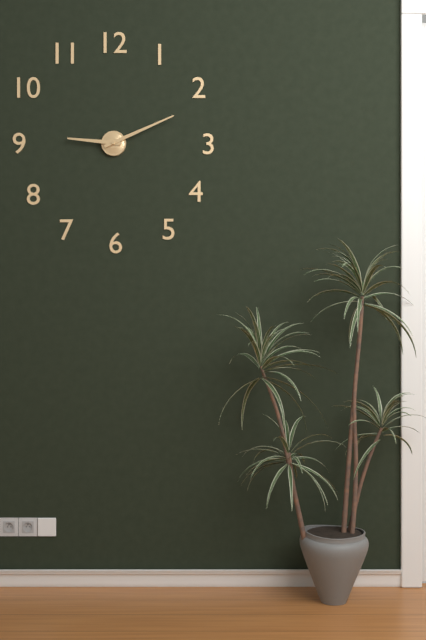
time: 9:11
